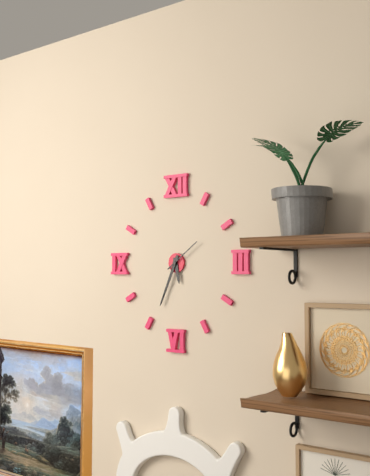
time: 5:34
